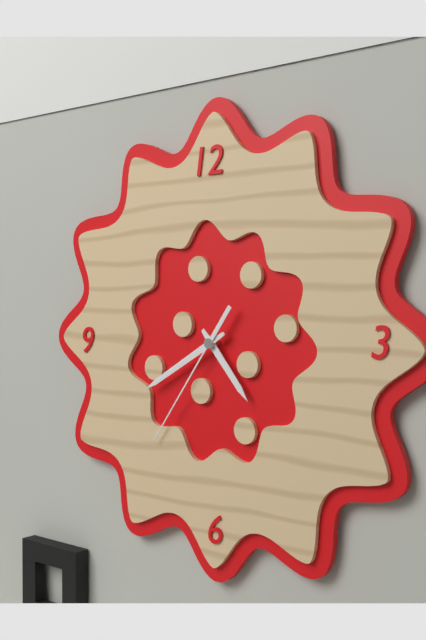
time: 4:40:36
